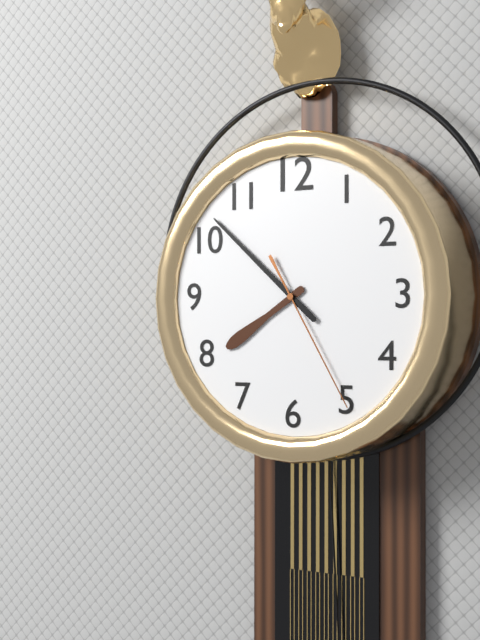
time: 7:52:25
